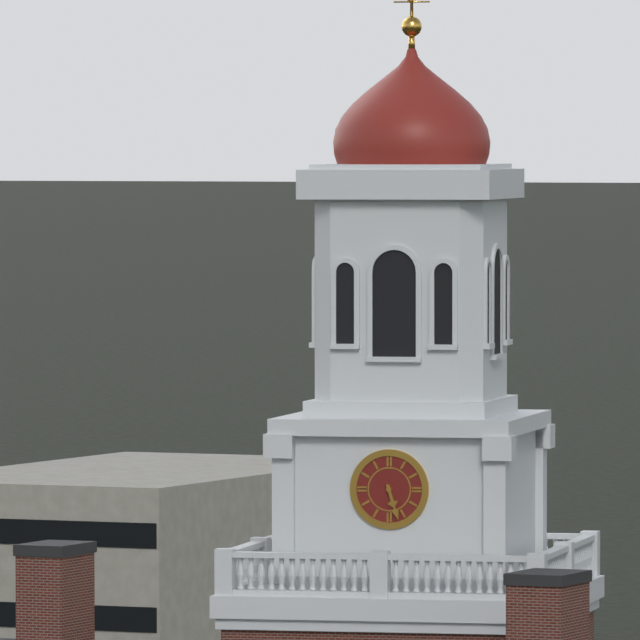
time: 5:27
